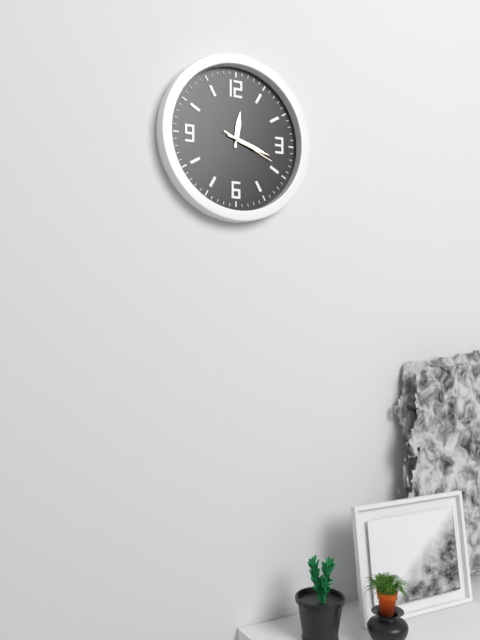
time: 12:18:19
